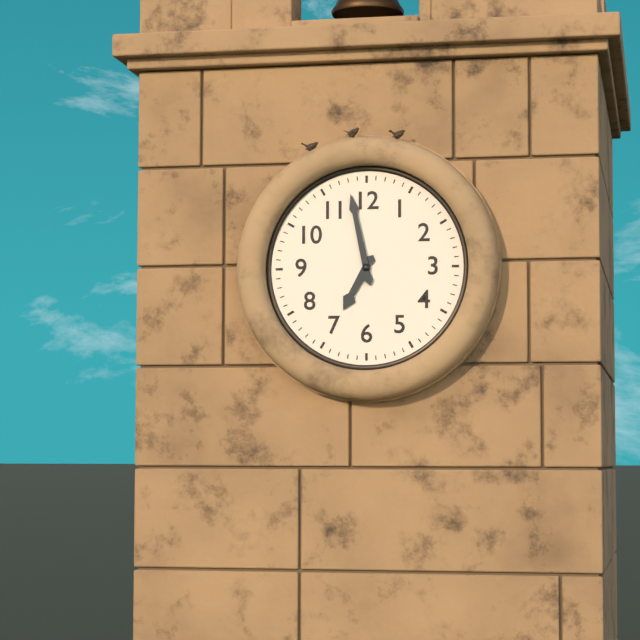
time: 6:58
